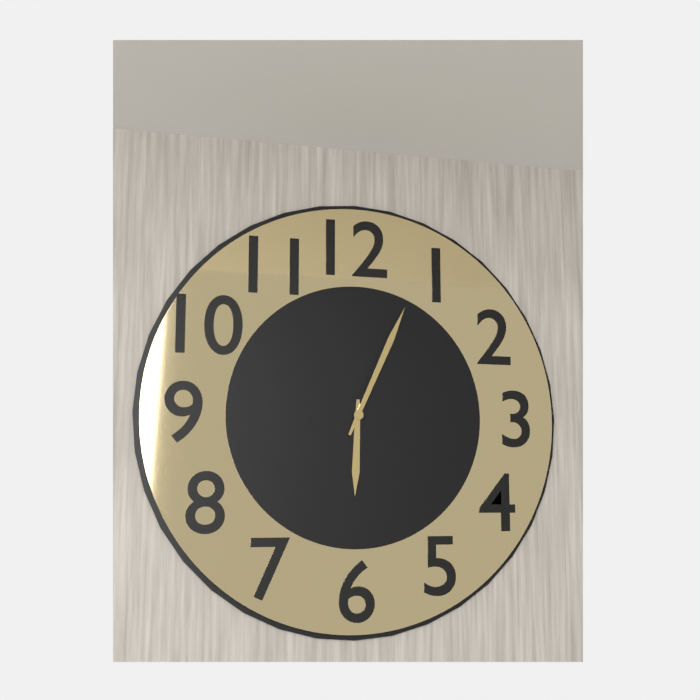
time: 6:04
